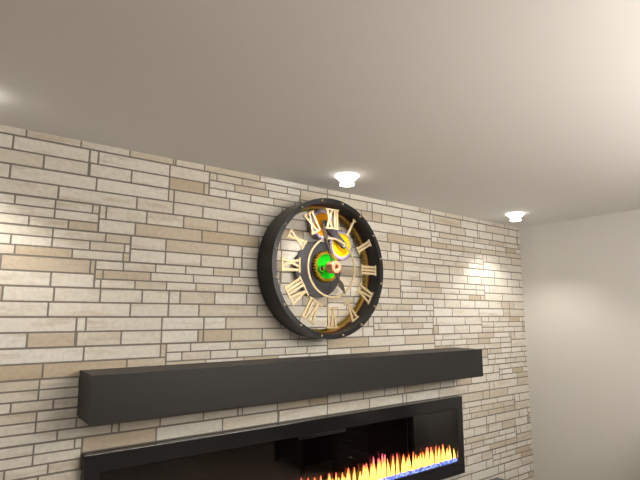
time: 4:57
